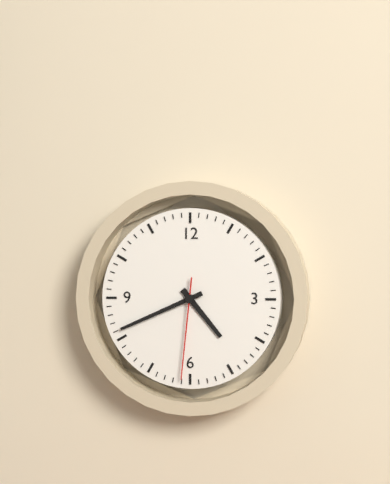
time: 4:41:31
